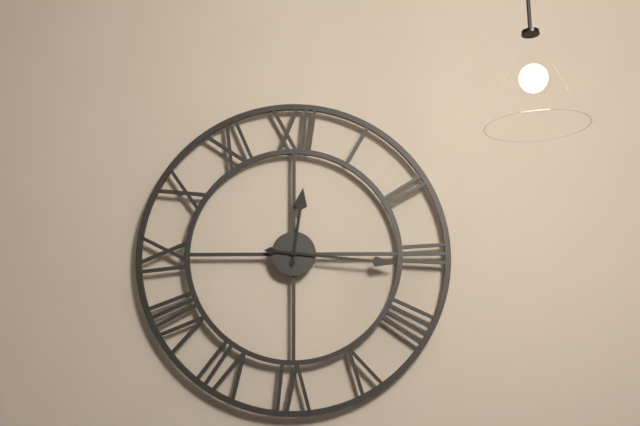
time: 12:16
